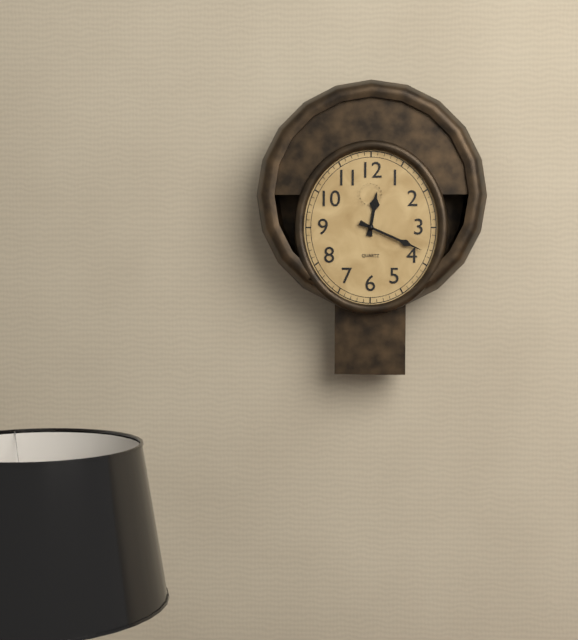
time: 12:19
